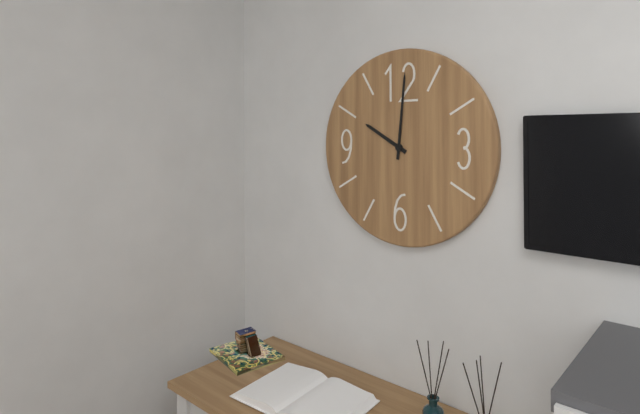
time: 10:01
